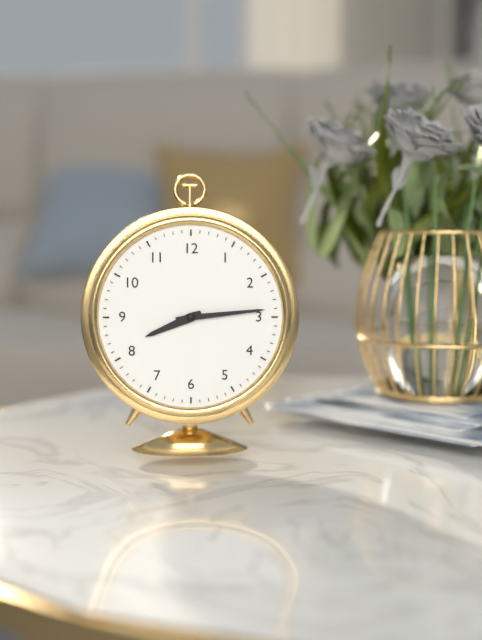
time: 8:14
